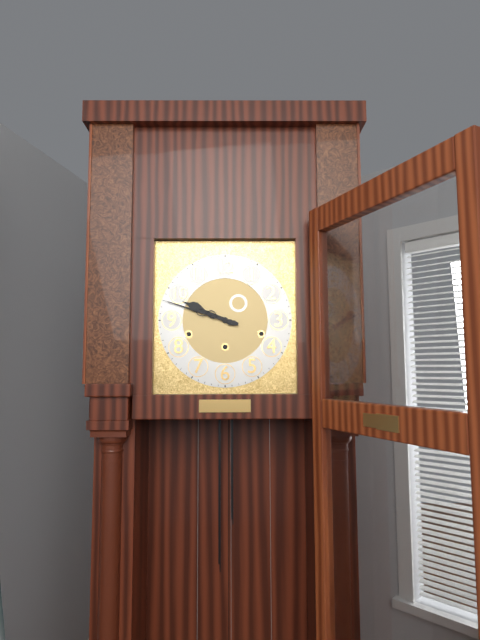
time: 9:48
